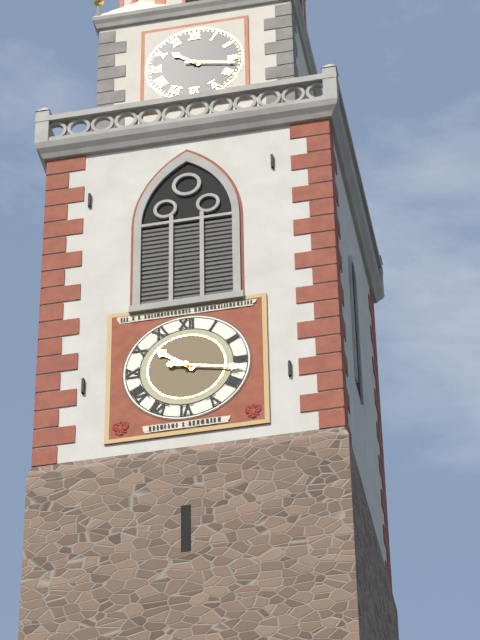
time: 10:17
